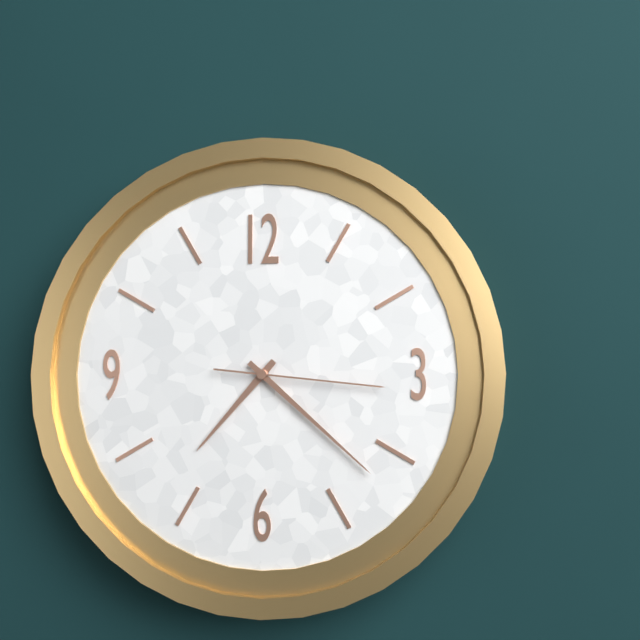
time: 7:22:16
